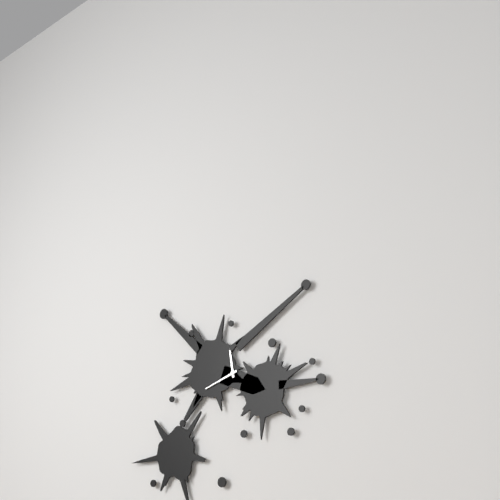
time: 11:42
